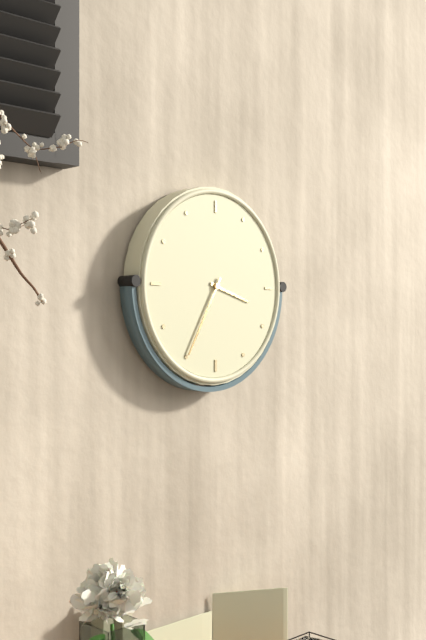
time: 3:35
